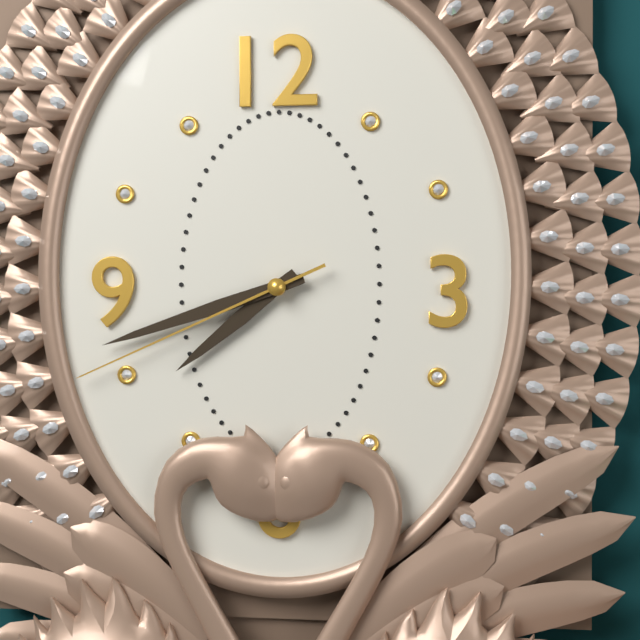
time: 7:42:41
